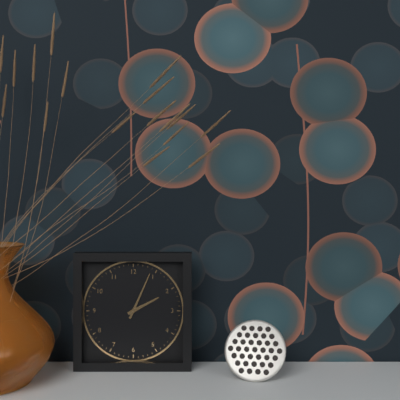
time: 2:04
